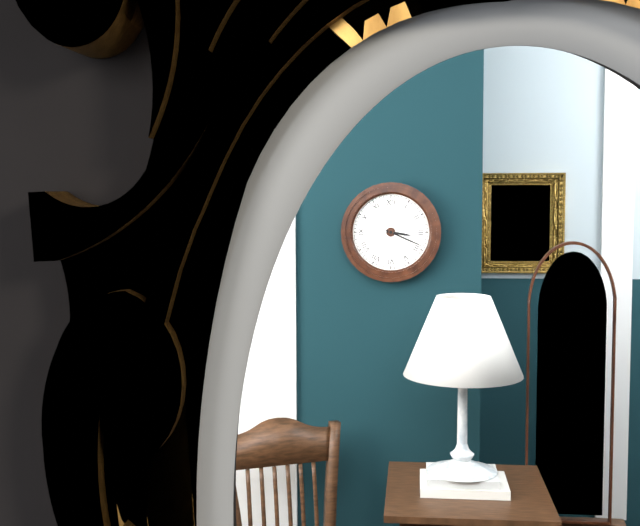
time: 3:19
